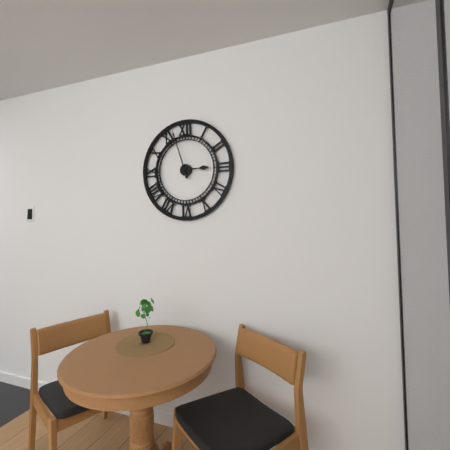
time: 2:57
